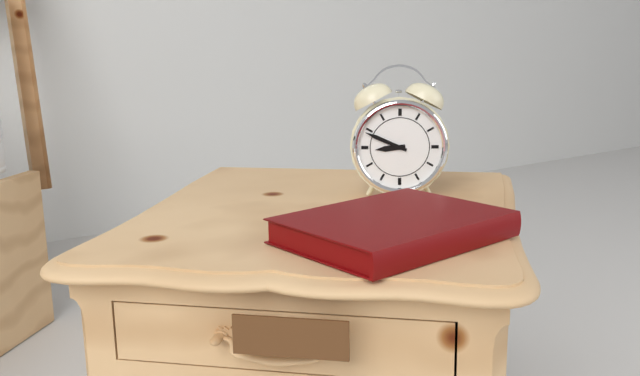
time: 8:49
